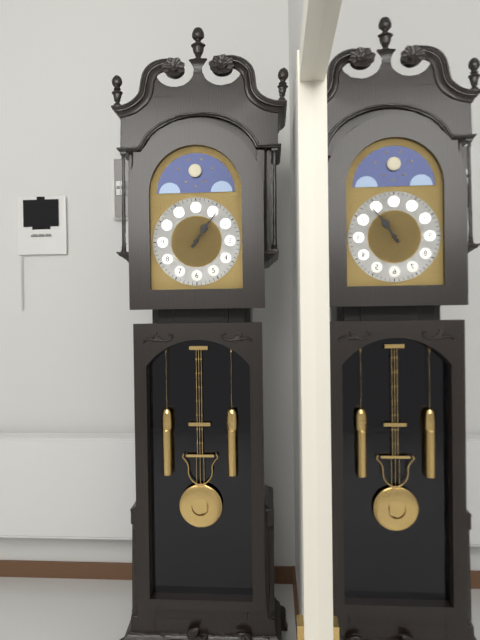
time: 1:06
